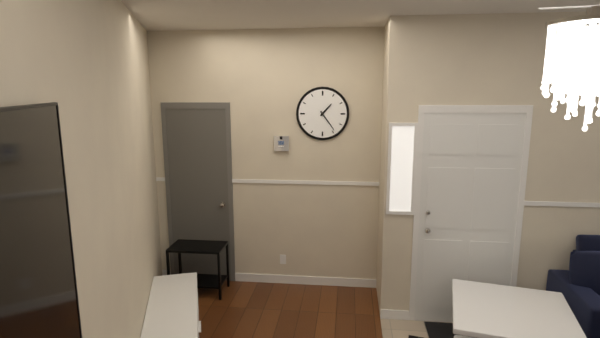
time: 1:24
